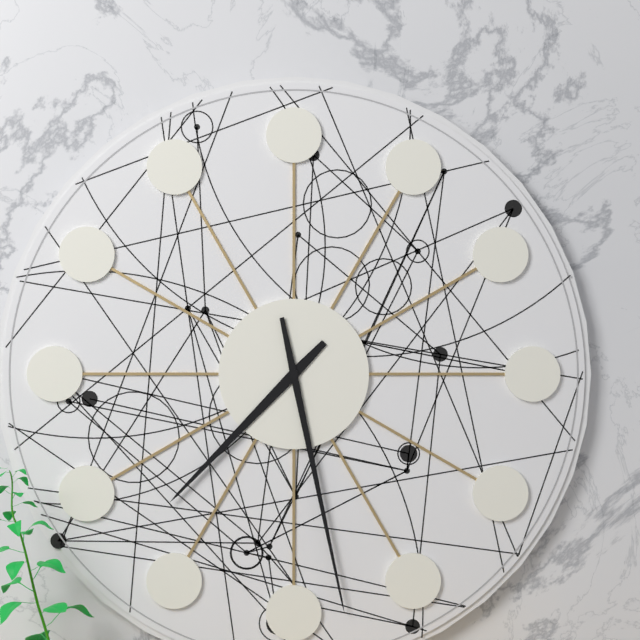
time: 7:28
